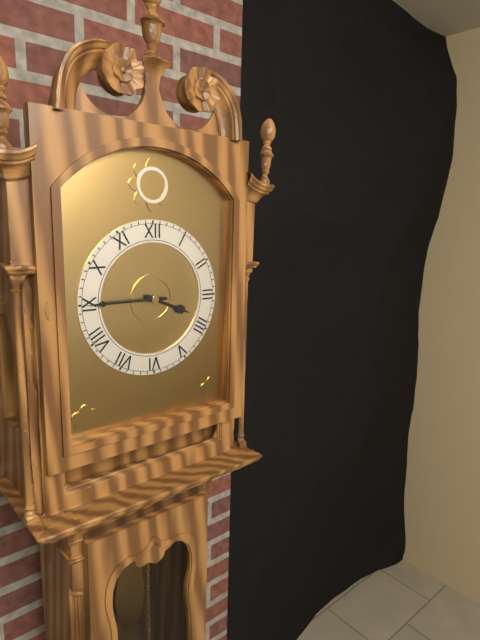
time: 3:45
